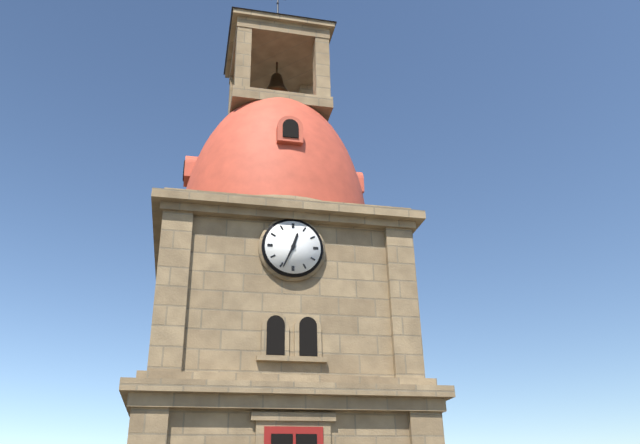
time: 12:34
